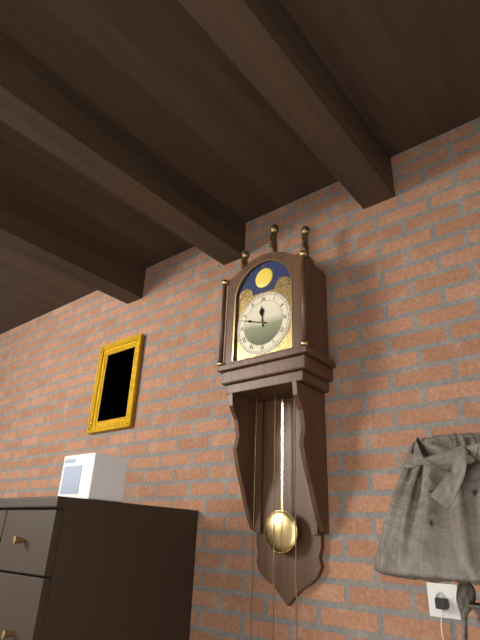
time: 11:48
